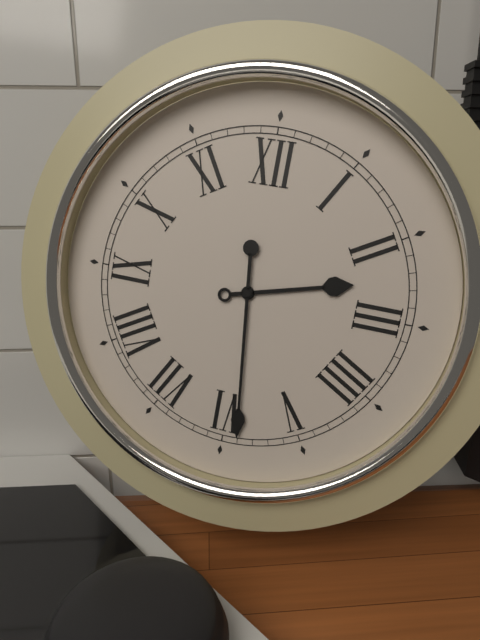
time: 2:29
